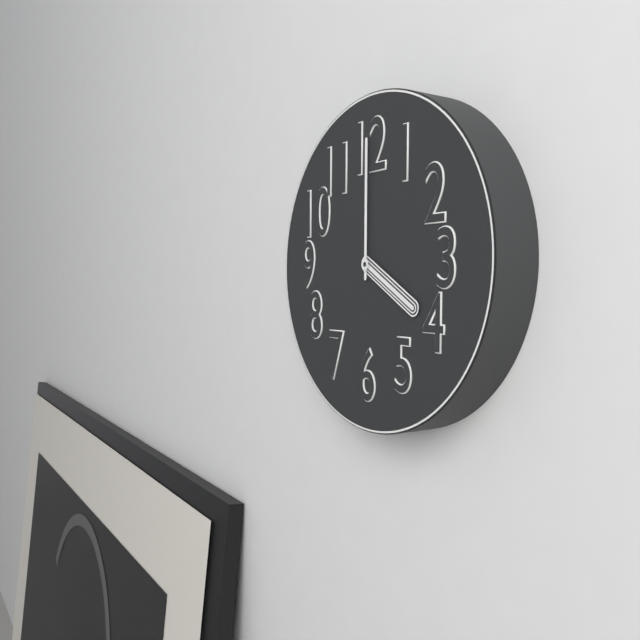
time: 4:00
